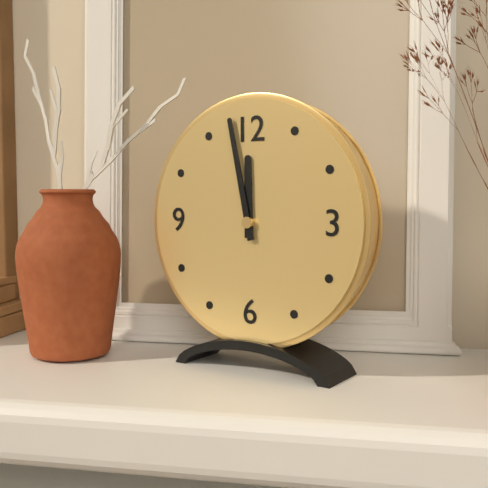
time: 11:58
